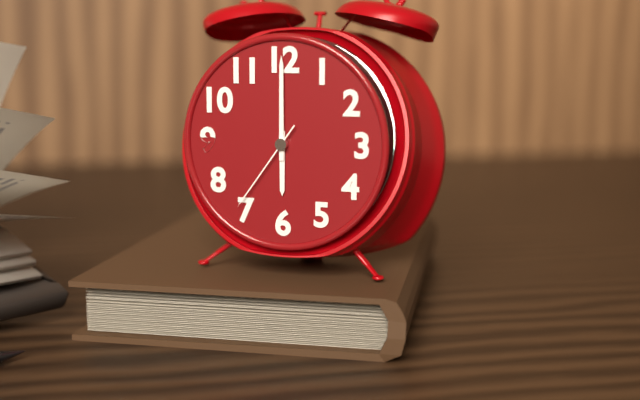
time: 6:00:36
